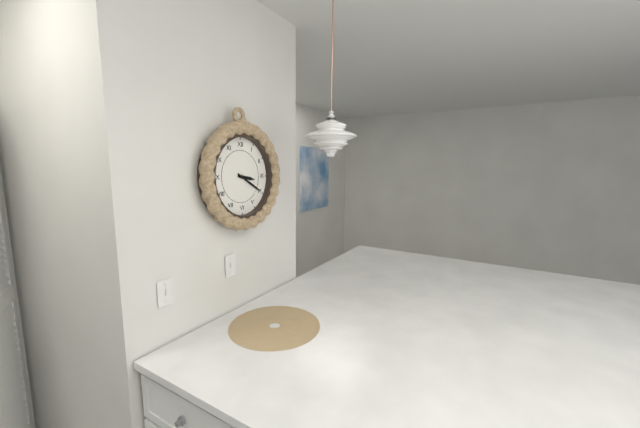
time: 3:20
